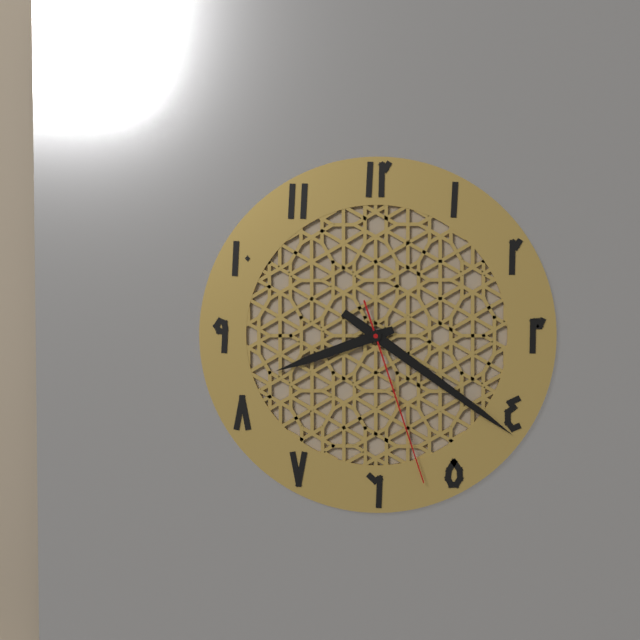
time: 8:21:27
